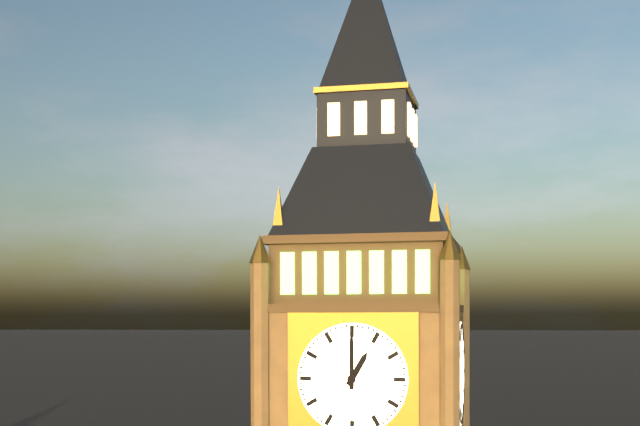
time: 1:00
